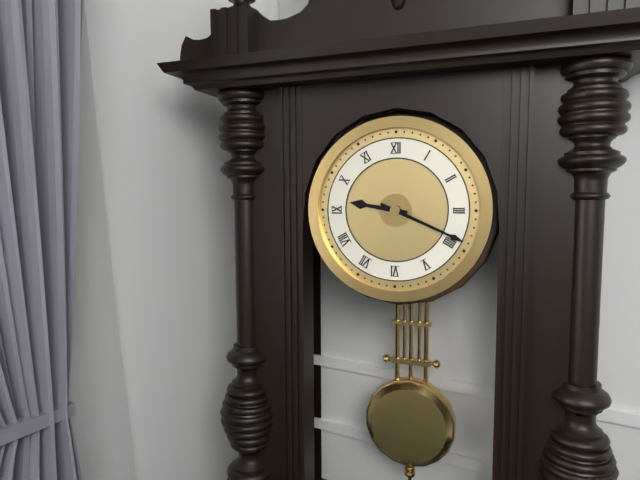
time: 9:19
